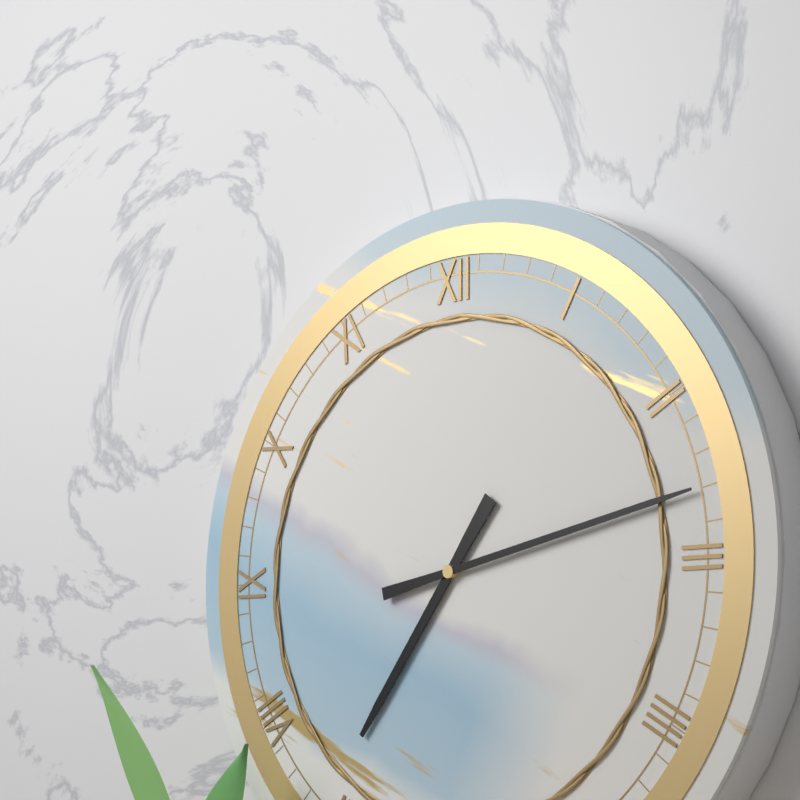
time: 7:13
